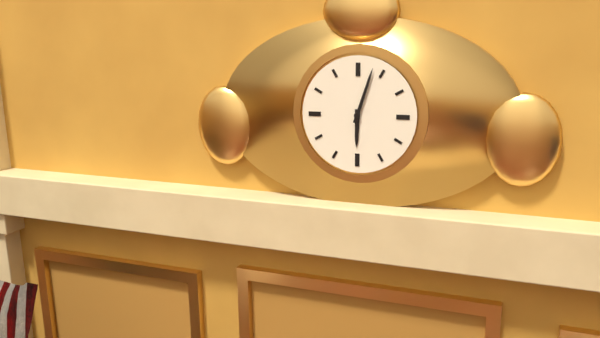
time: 6:03
